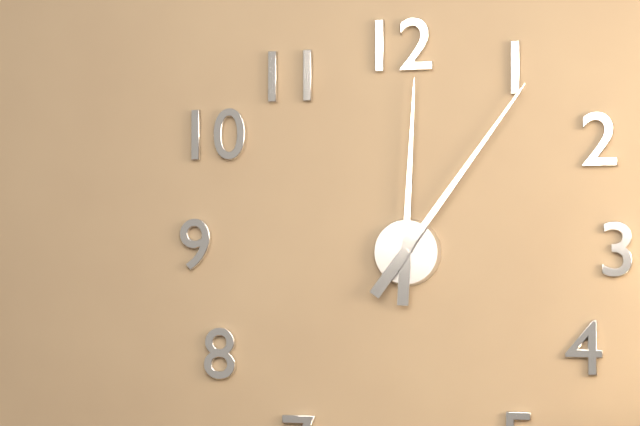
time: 12:06
